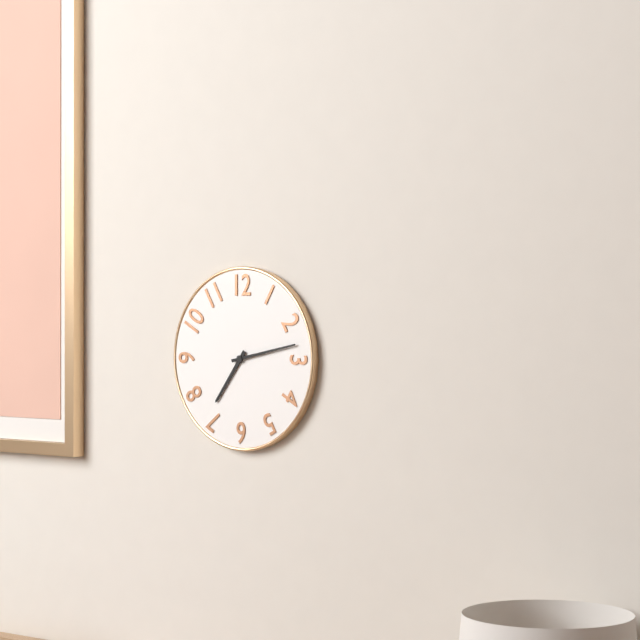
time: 7:13
